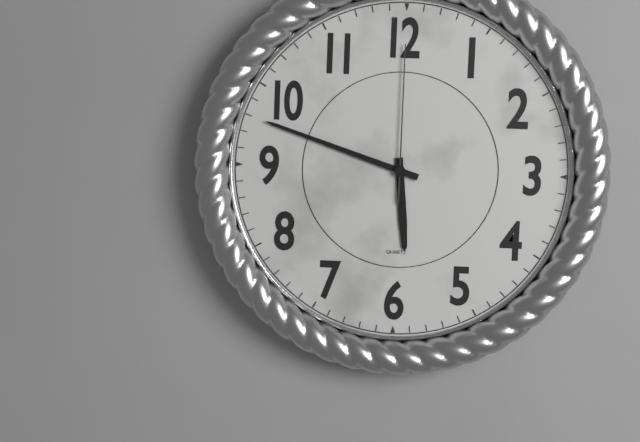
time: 5:48:00
